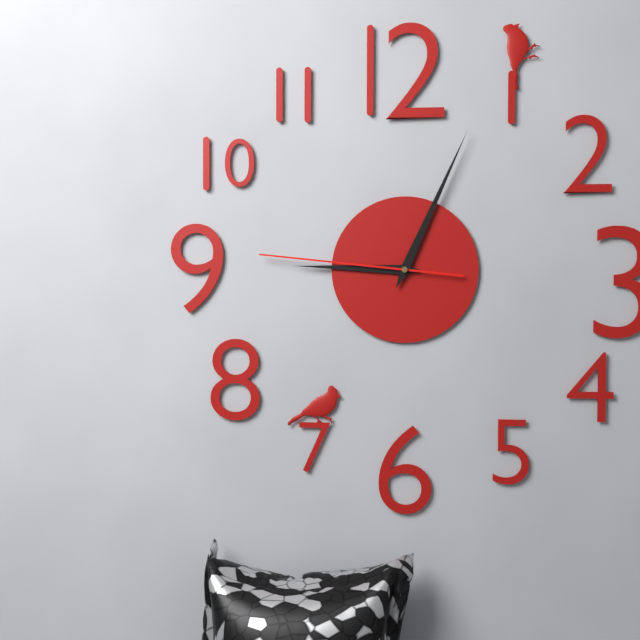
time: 9:04:46
